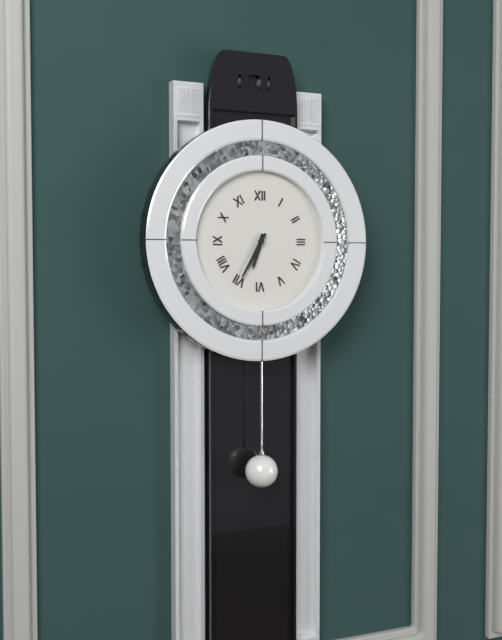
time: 6:35
